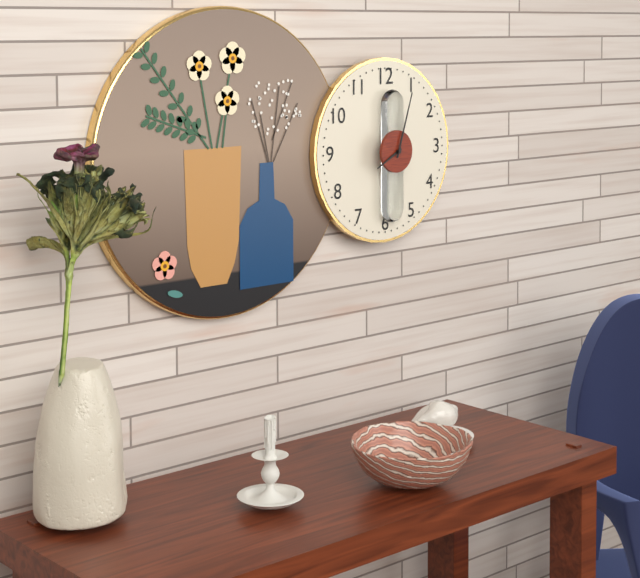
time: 8:03
